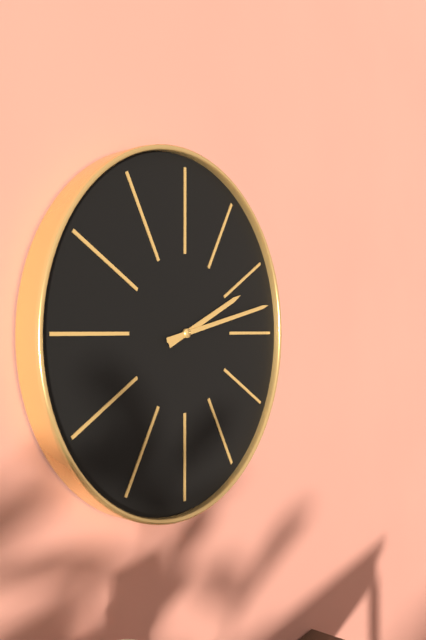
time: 2:13
